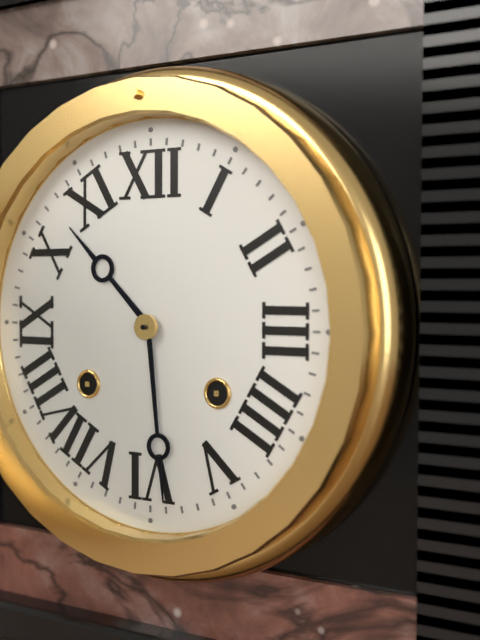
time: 10:29
